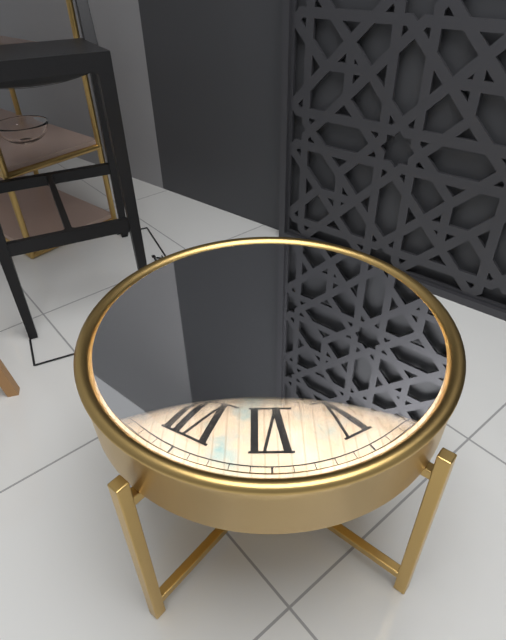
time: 7:14
